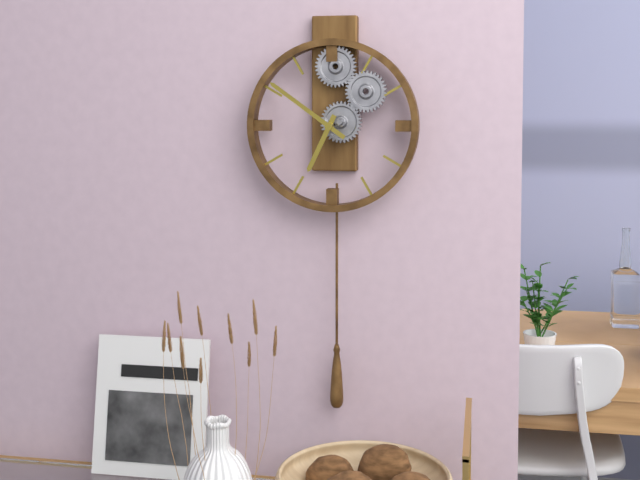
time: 6:51
